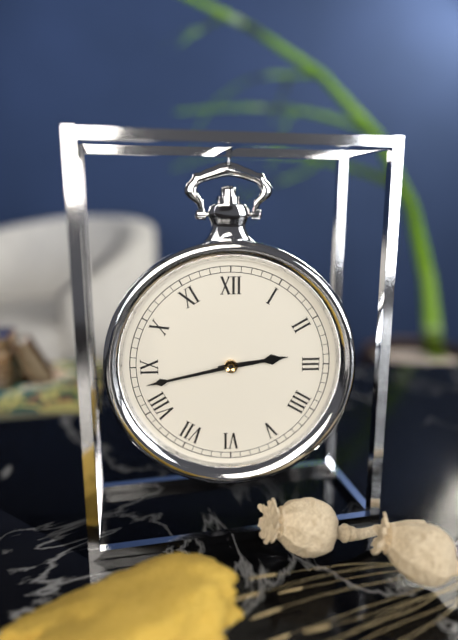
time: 2:43
